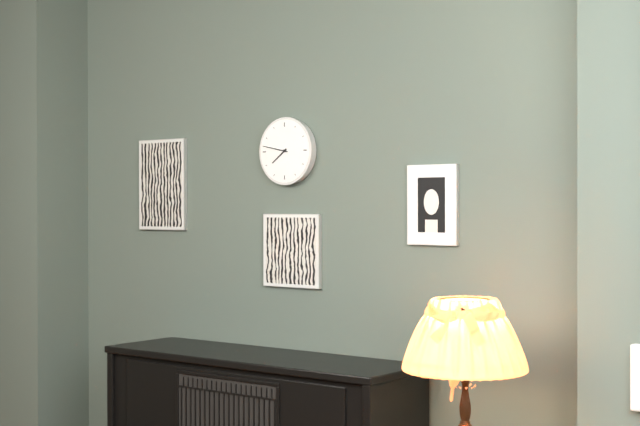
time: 7:47
